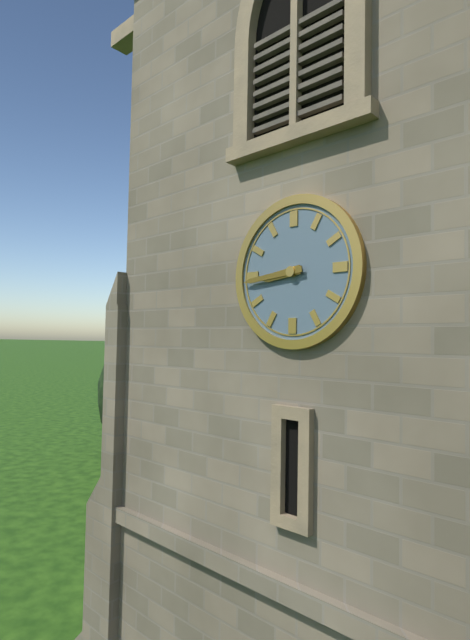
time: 8:44
